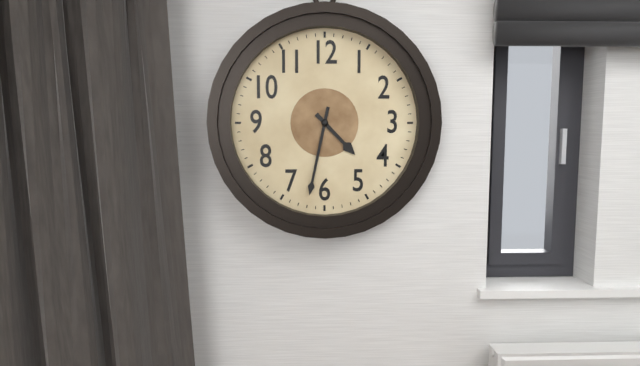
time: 4:32
